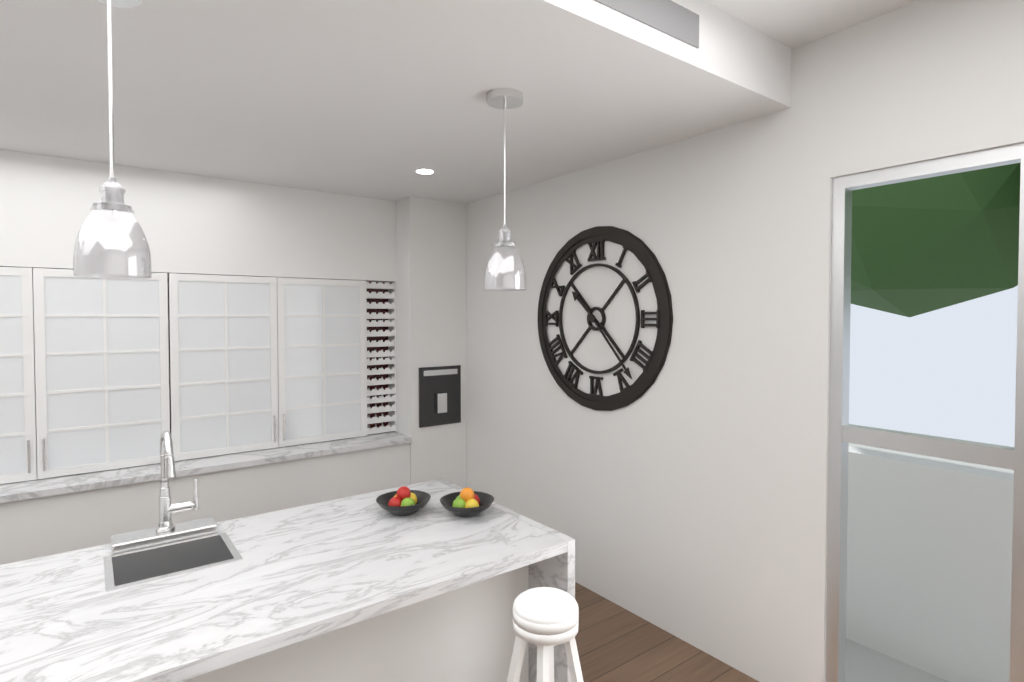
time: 10:23
